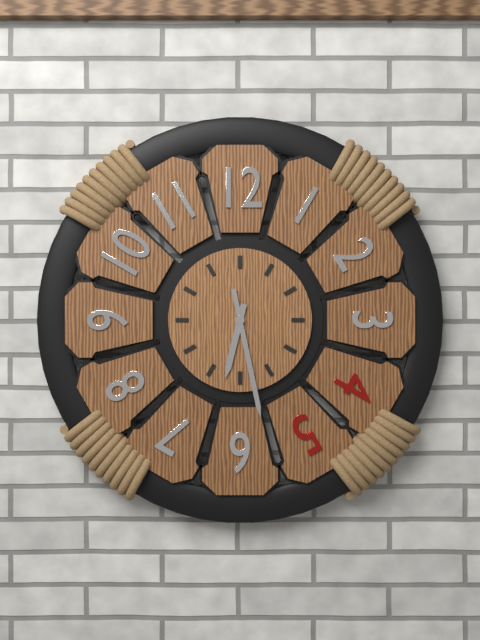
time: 6:28
